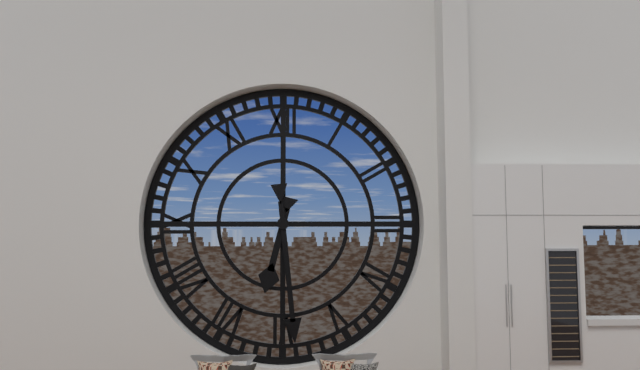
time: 6:29
